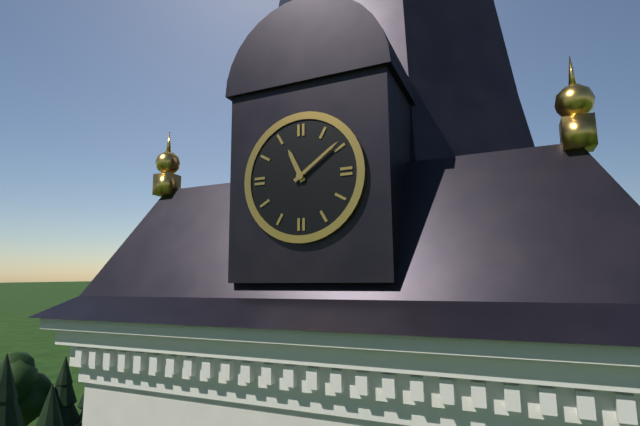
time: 11:09
